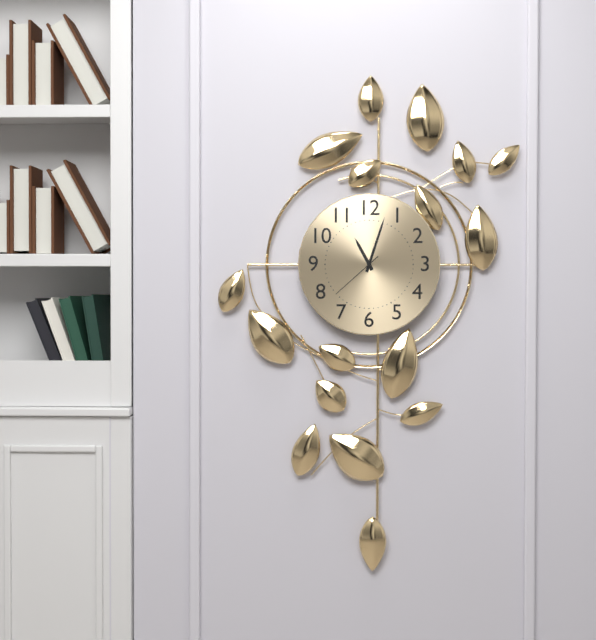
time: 11:03:38
